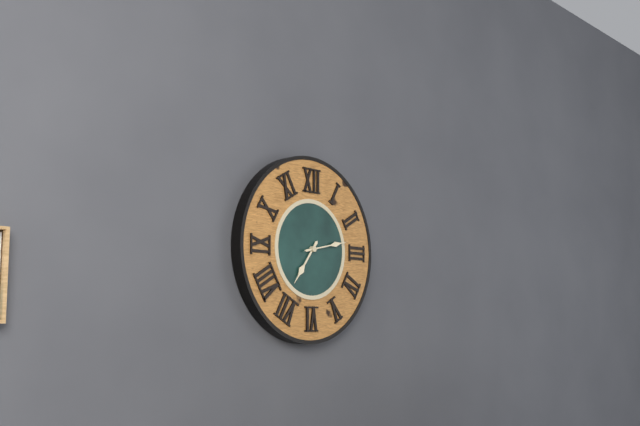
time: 7:13
